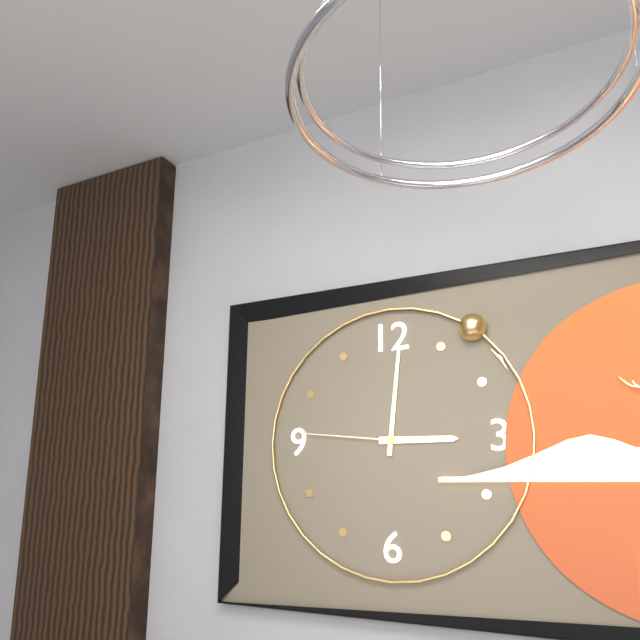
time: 3:01:46
